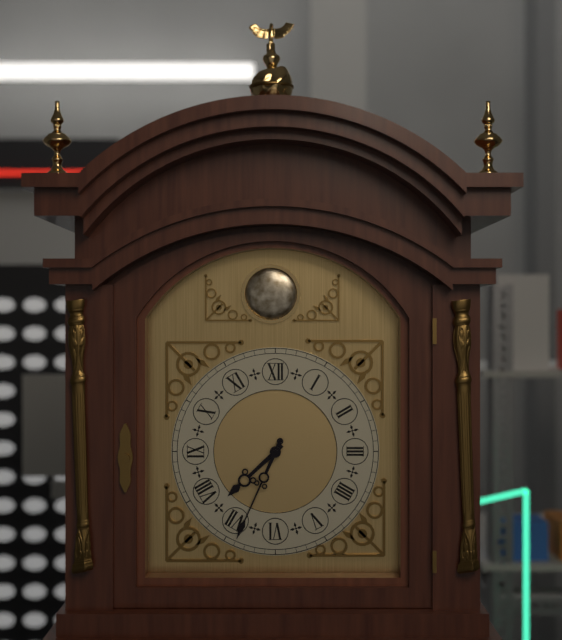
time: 7:34
